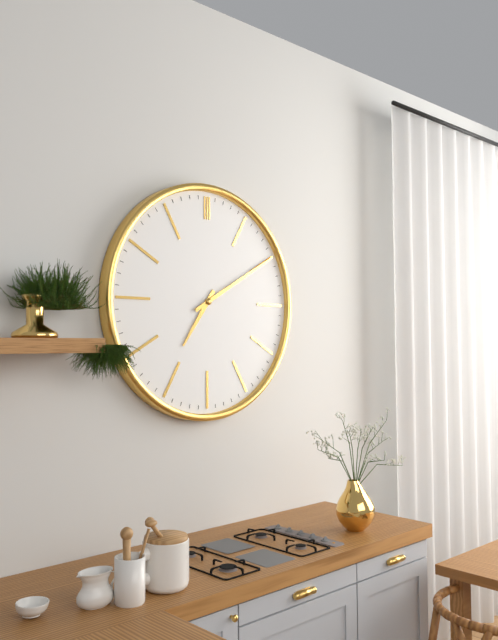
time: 7:10
